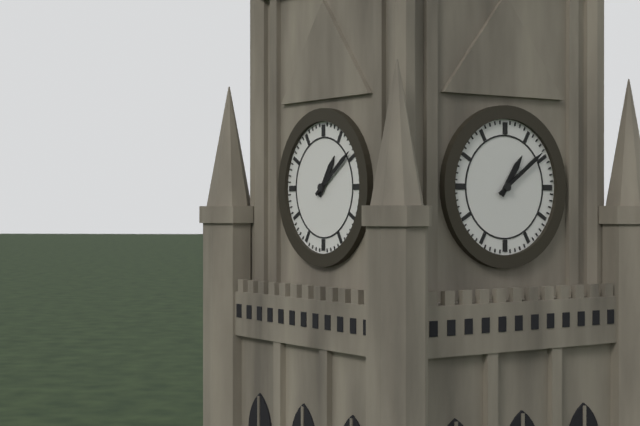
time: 1:09
